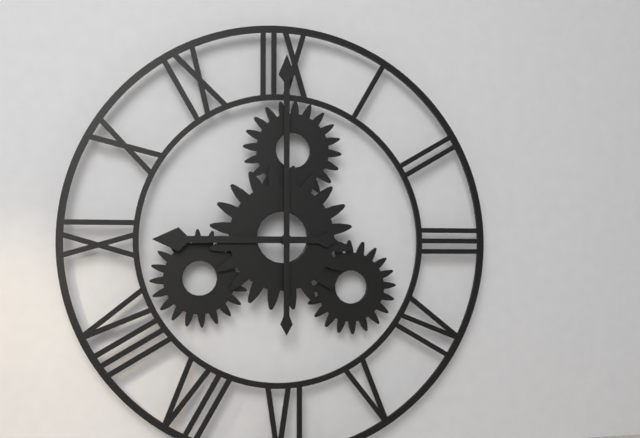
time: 9:00
